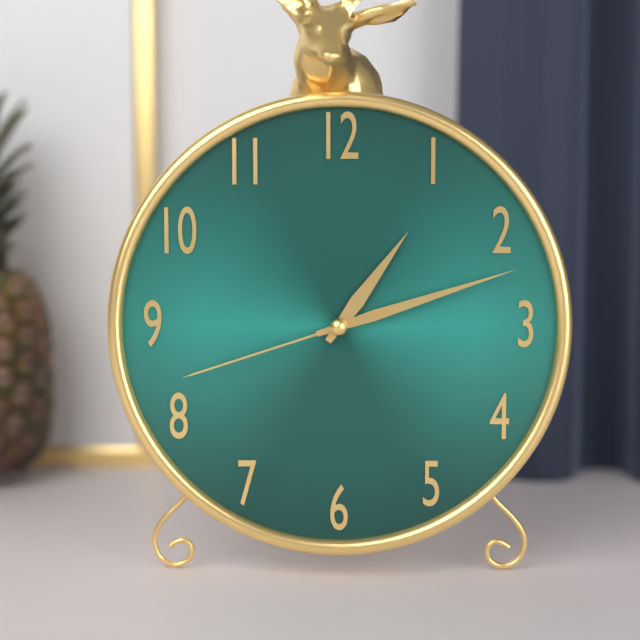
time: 1:12:42
